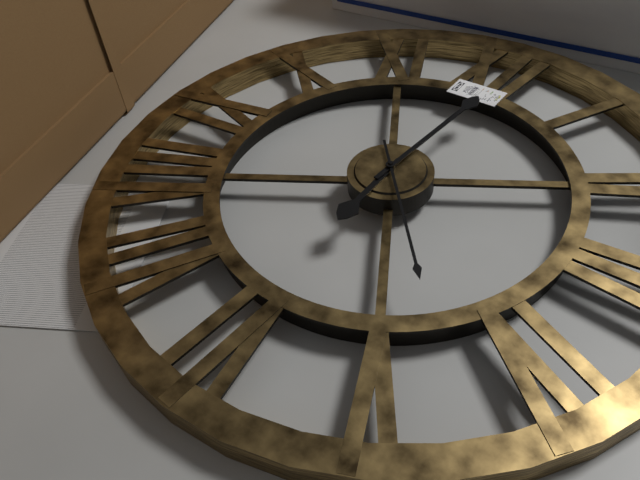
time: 6:01:23
